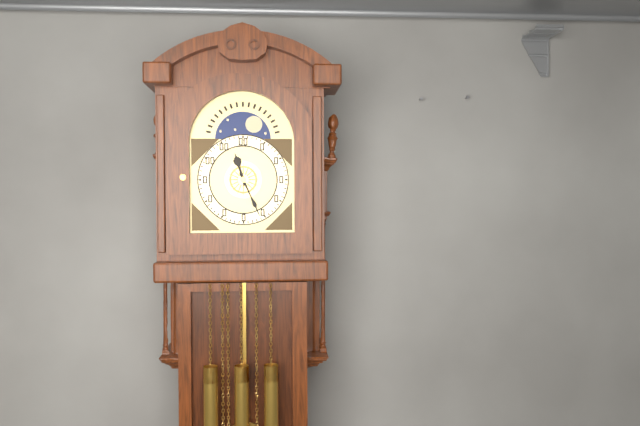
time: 11:26
